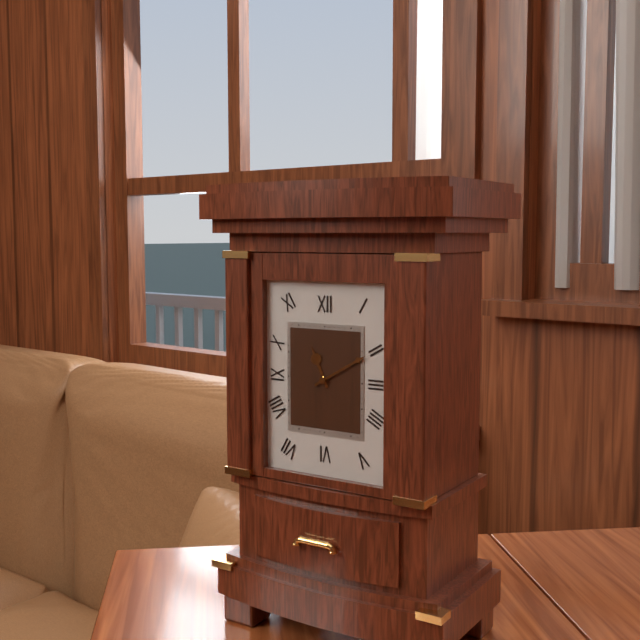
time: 11:10
